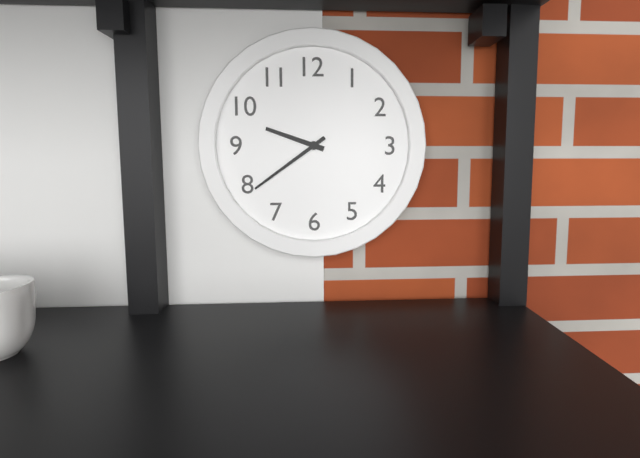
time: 9:39
